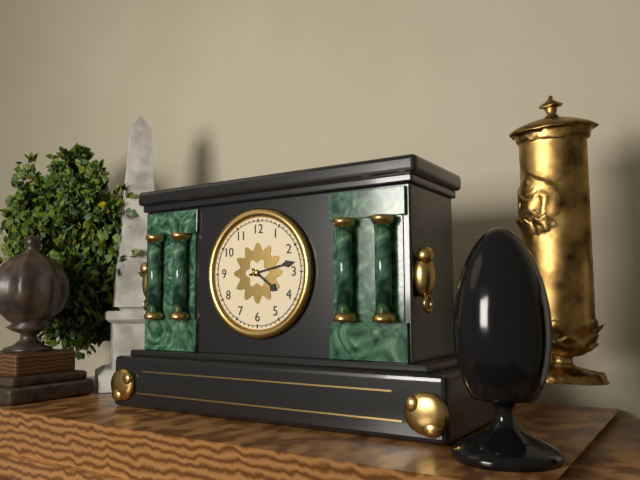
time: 4:13
